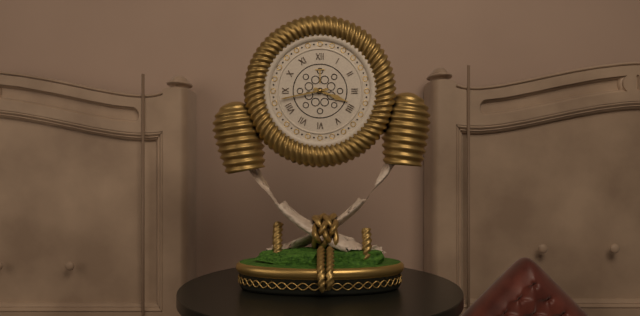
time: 3:43
